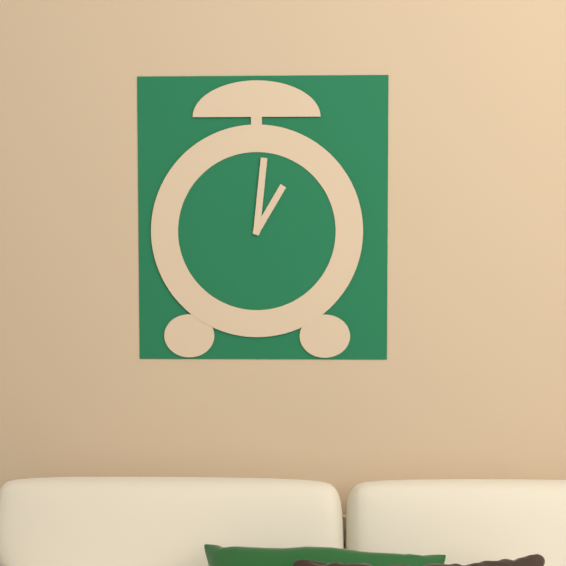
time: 1:01
